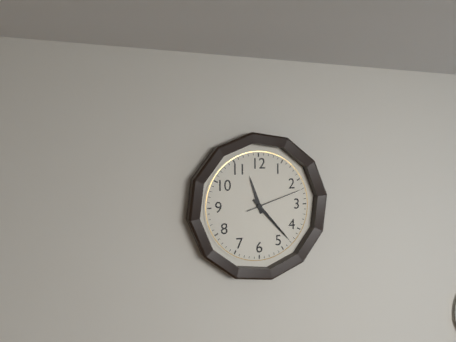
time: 11:23:12
